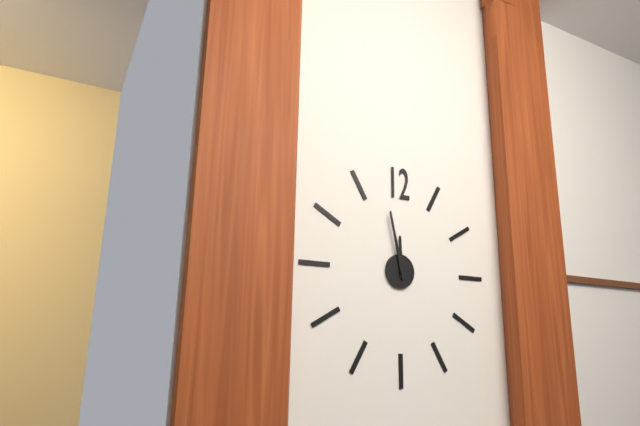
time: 11:58
